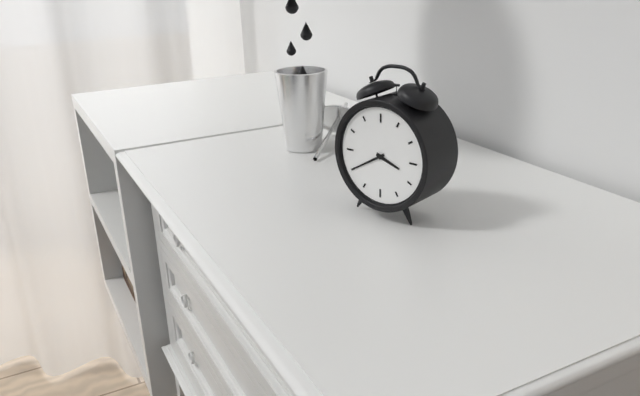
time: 3:40
